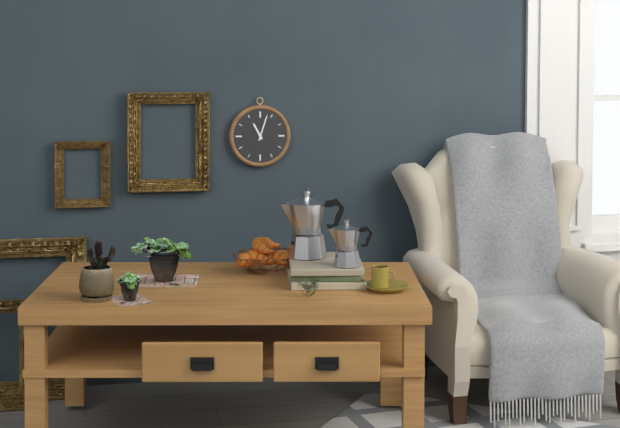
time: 11:03
